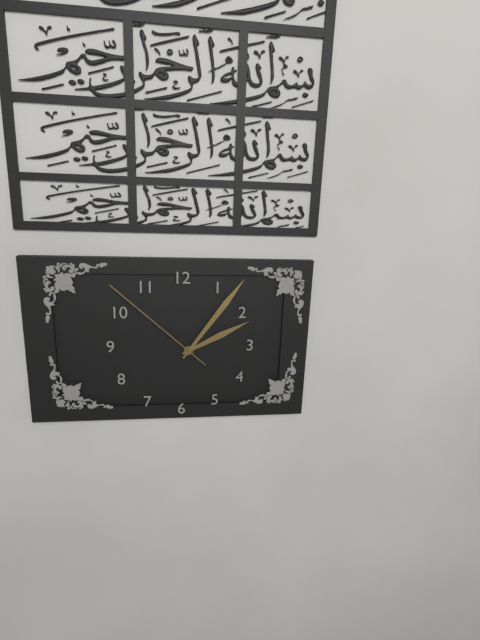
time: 2:06:52
